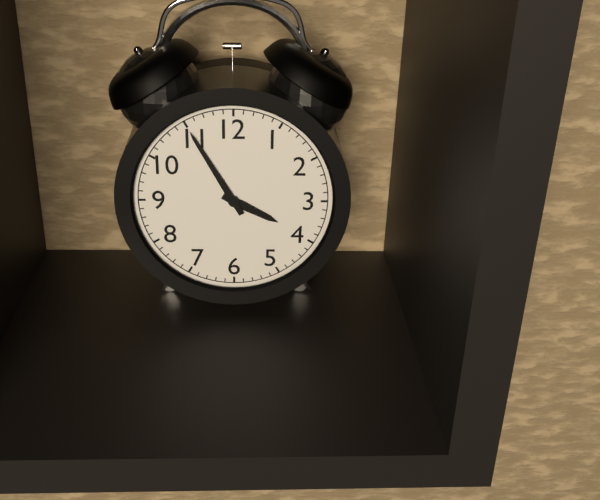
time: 3:55
